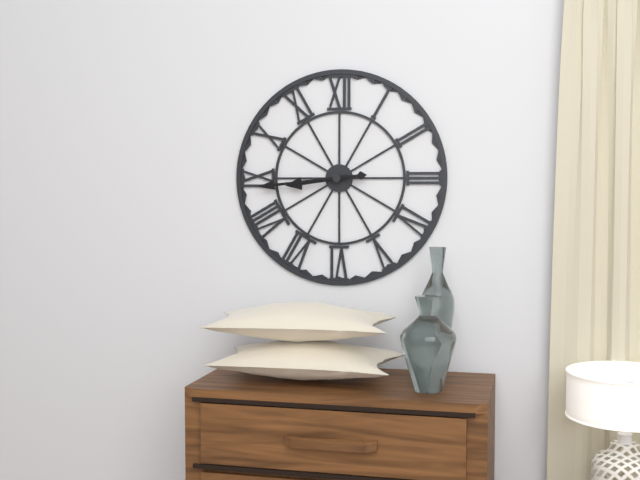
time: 8:44
